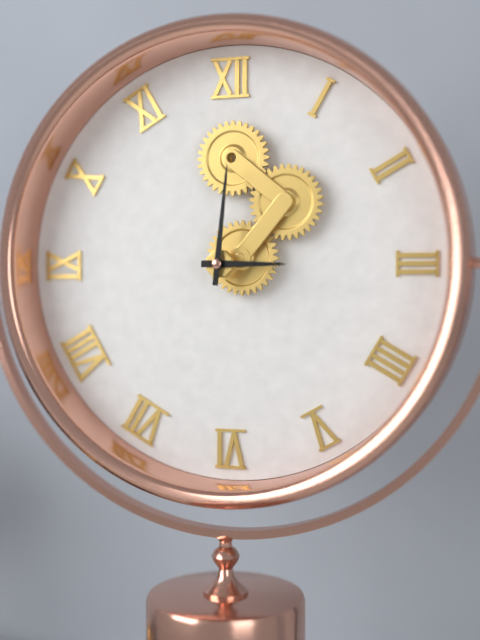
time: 3:01
